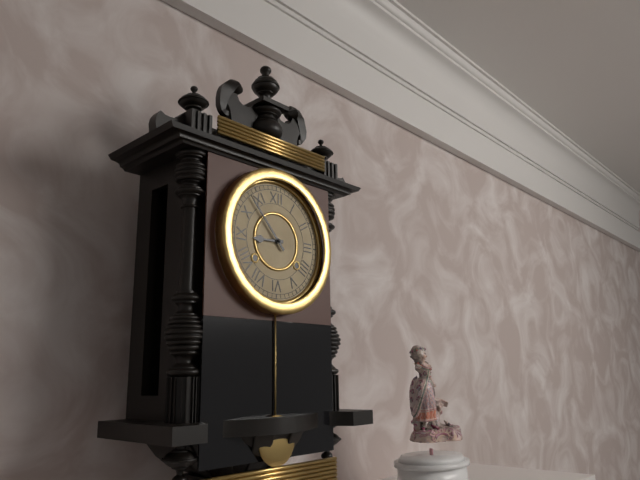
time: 8:53
